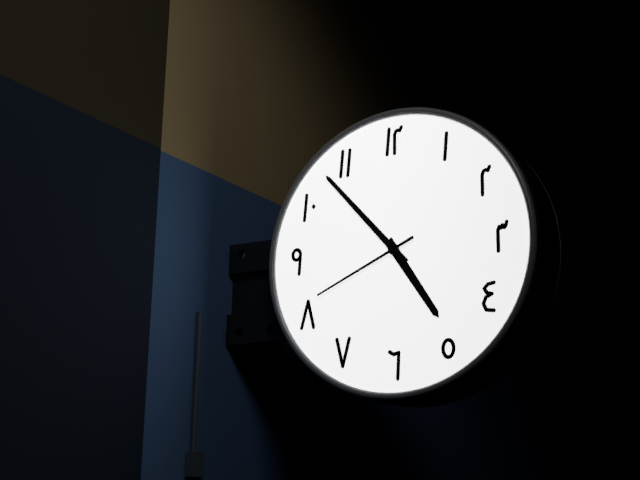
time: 4:53:41
